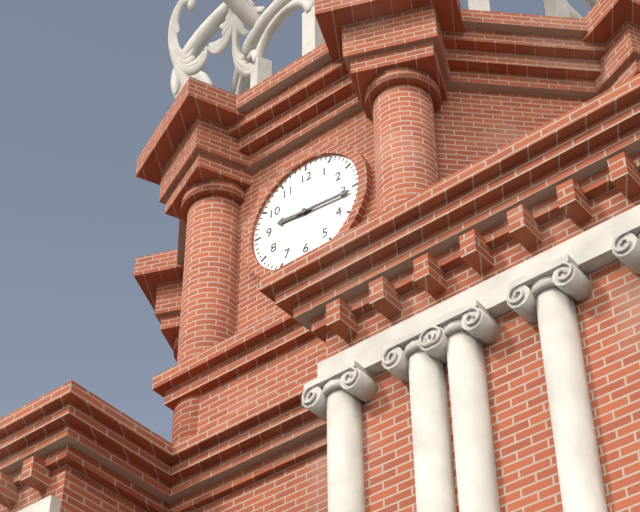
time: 9:16
